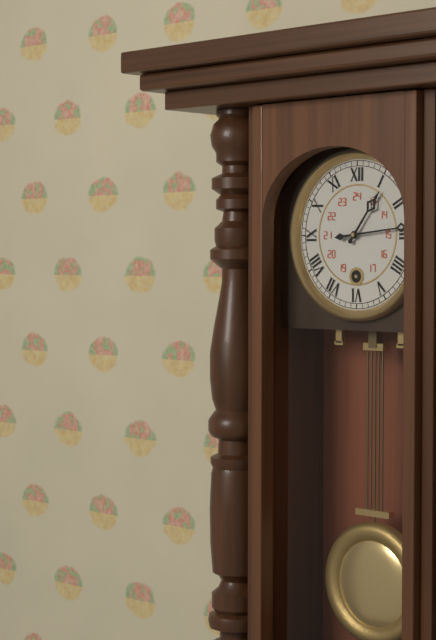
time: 1:14
